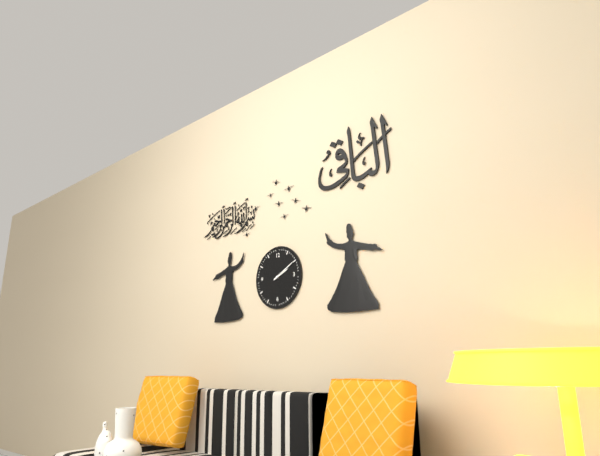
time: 2:10
